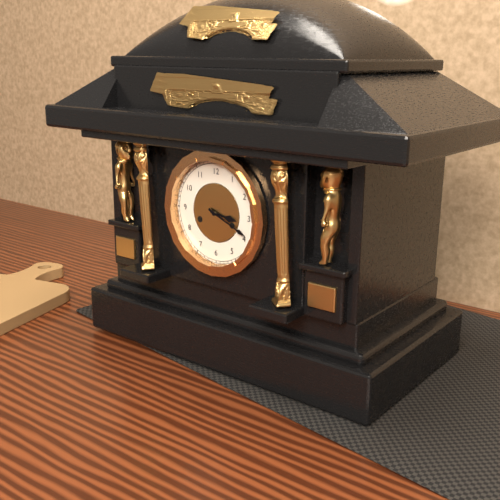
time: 3:19
